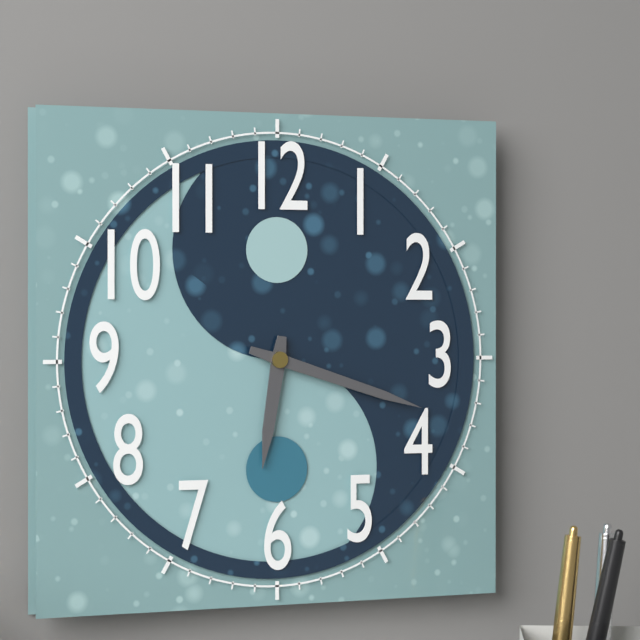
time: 6:18
